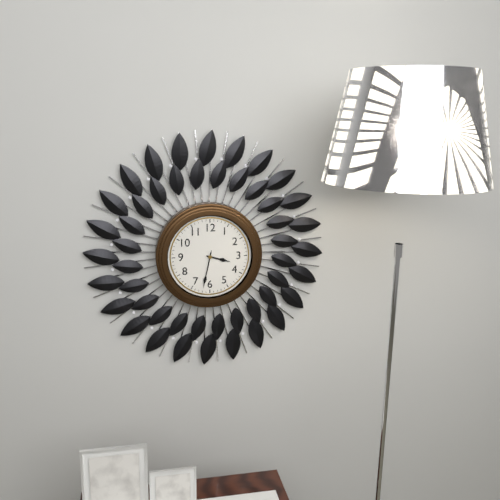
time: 3:32
